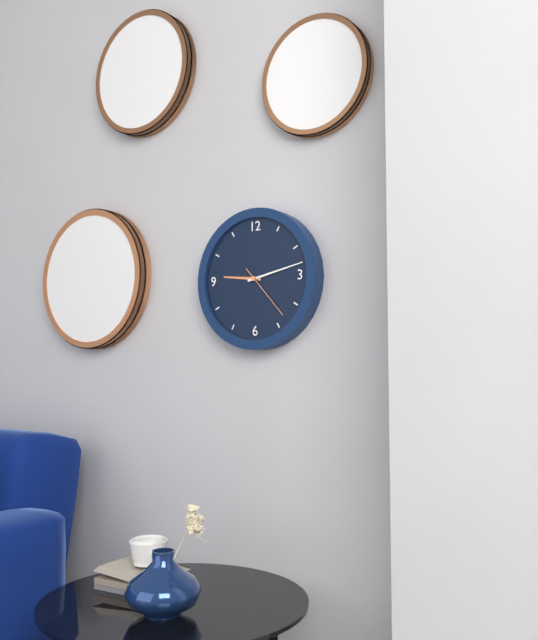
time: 9:13:23
